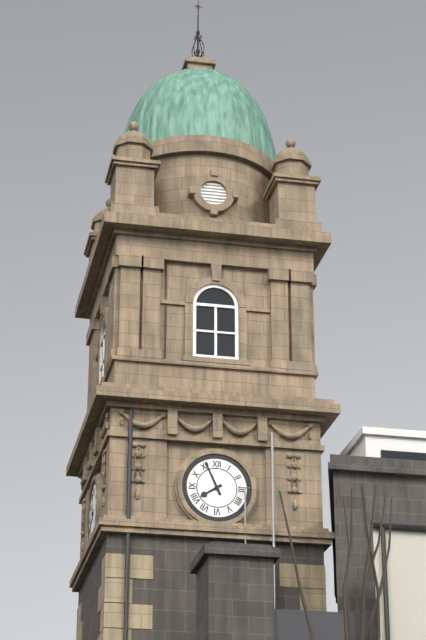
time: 7:56
